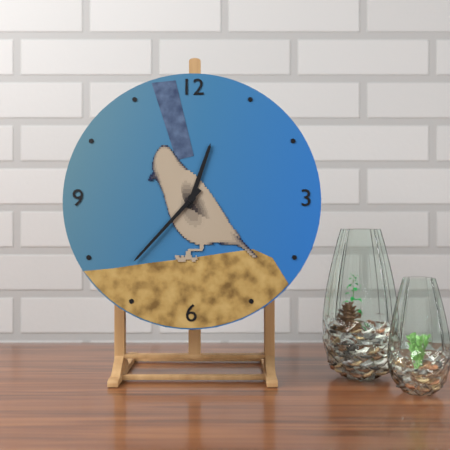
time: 12:37
